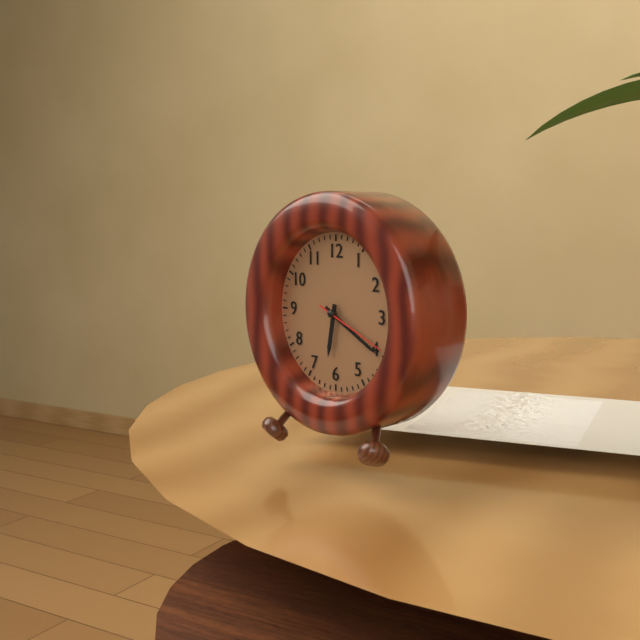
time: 6:20:19
